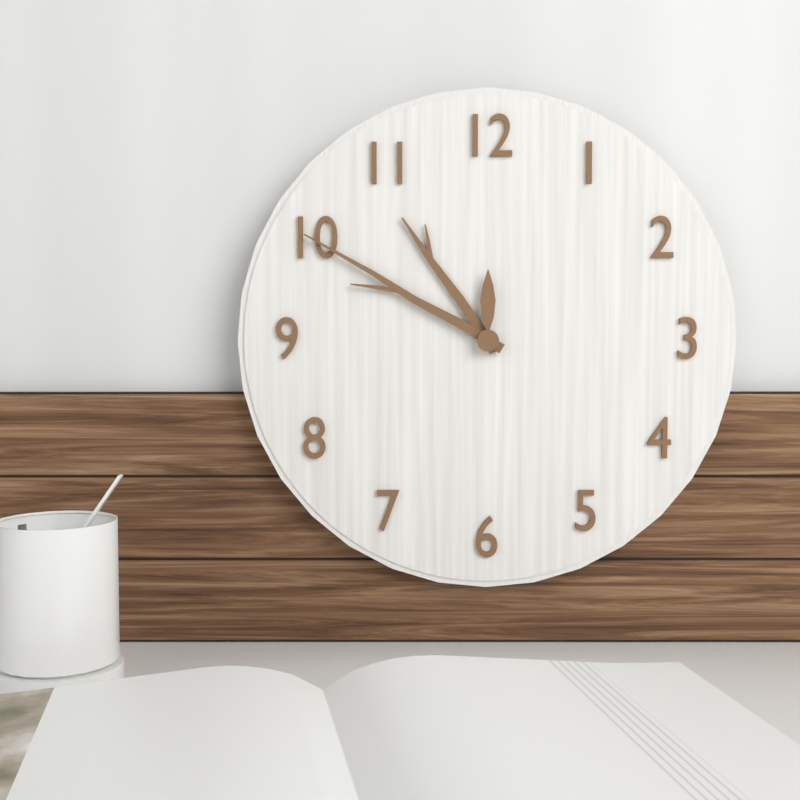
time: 10:50:00
